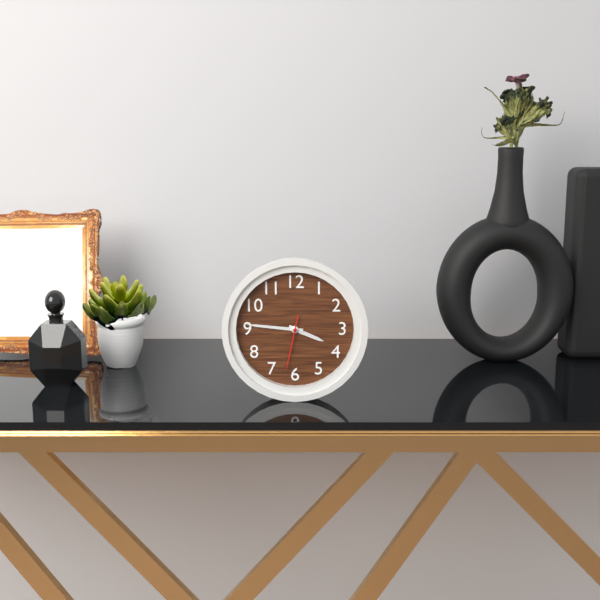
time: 3:46:32
